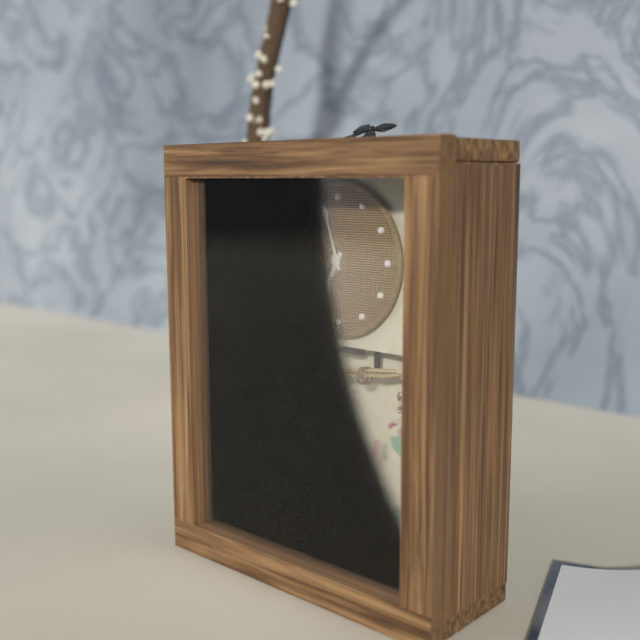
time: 6:57
